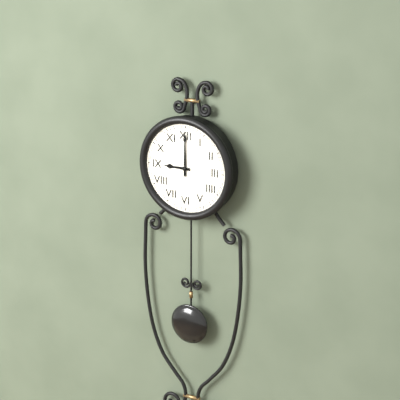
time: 9:00
